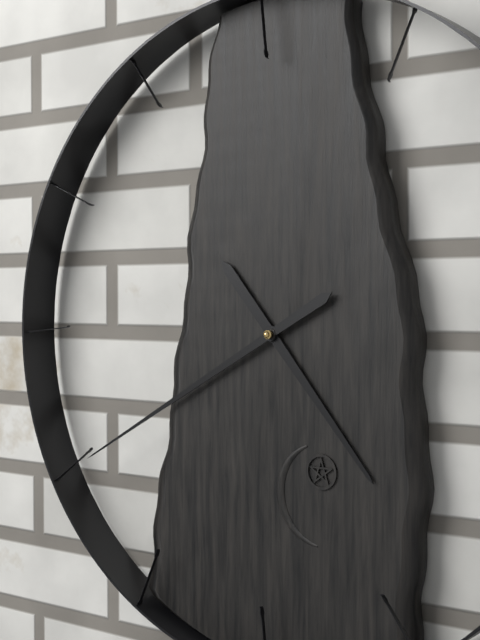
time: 4:40
